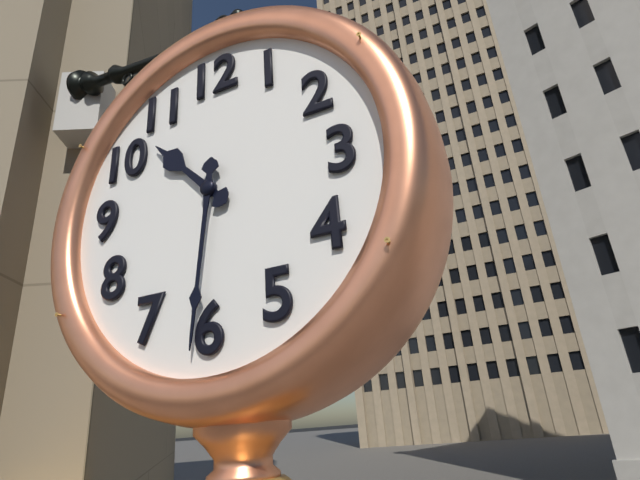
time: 10:31
